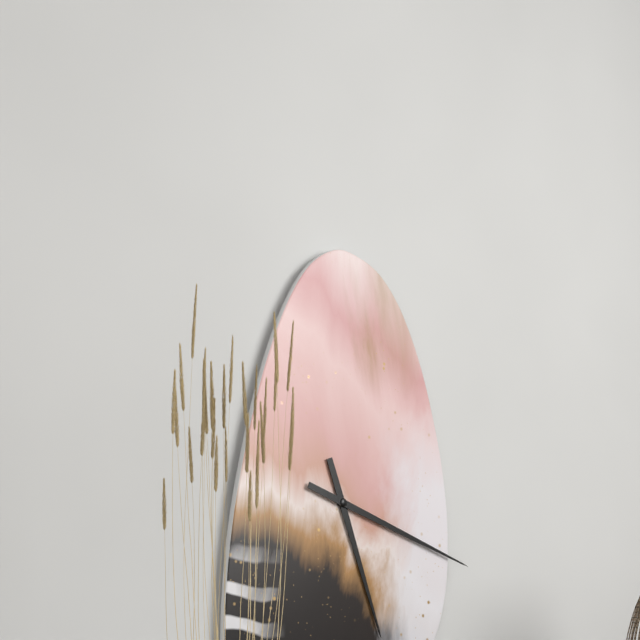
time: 5:18
